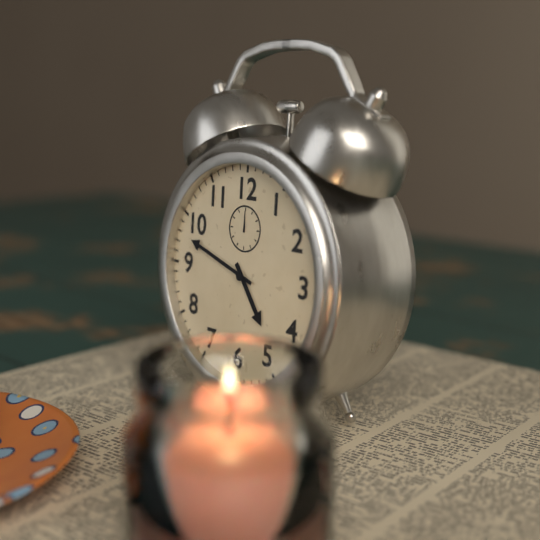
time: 4:48
